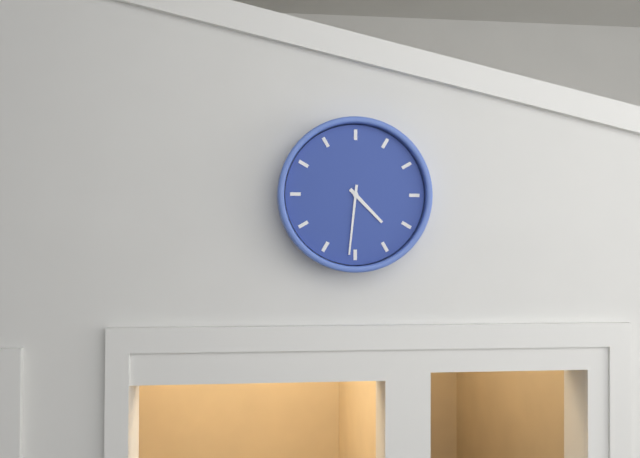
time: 4:31
